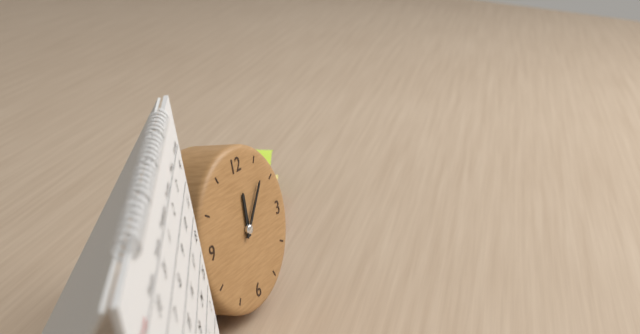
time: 12:07
